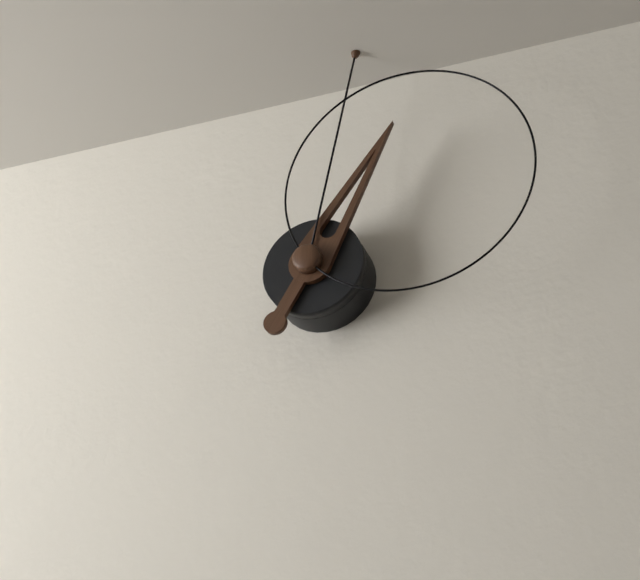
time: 1:02:09
